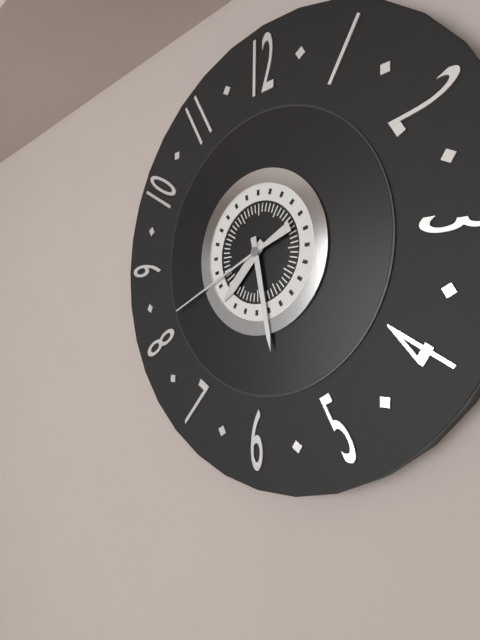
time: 7:28:41
